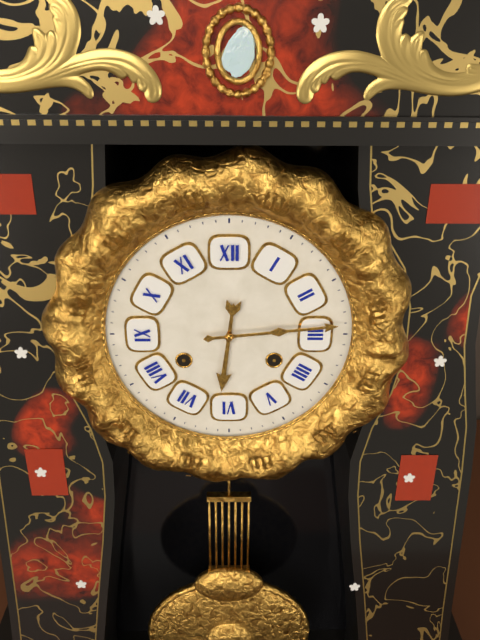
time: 6:14
